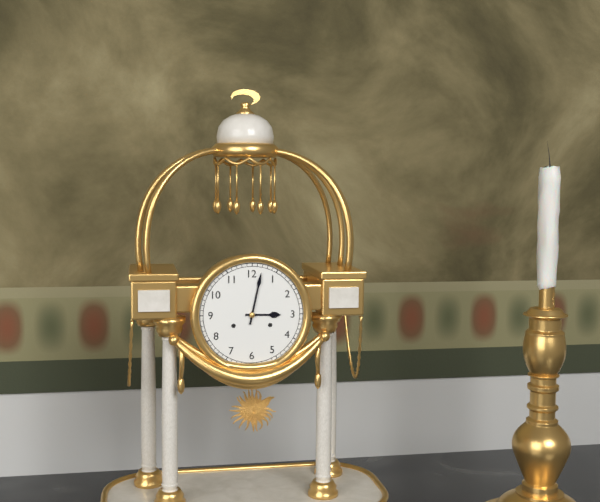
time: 3:02
